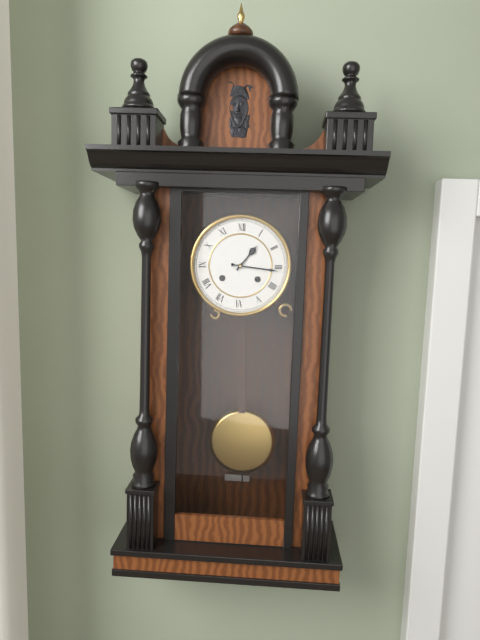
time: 1:16
